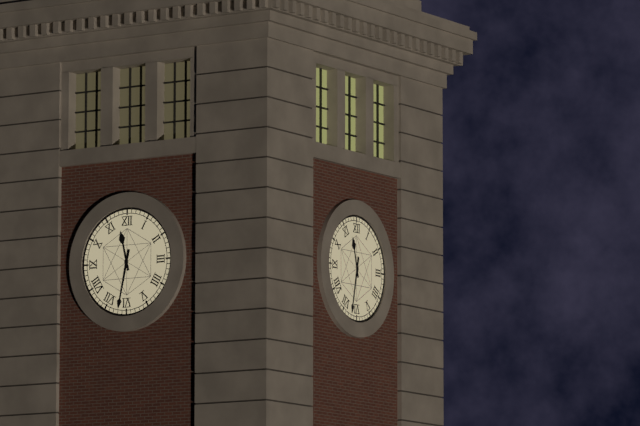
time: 11:32
